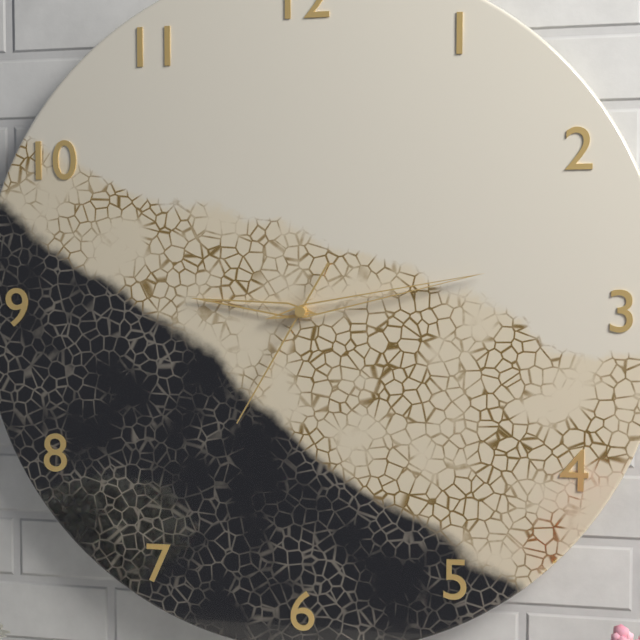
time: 9:13:35
